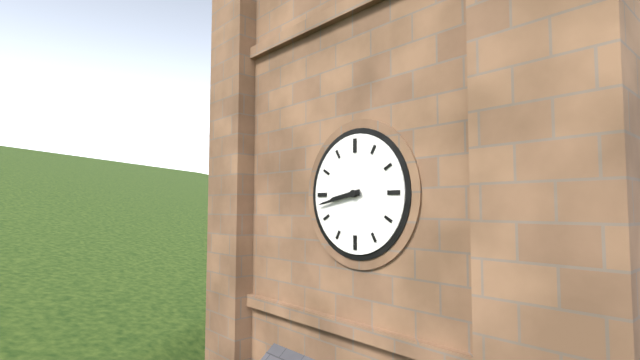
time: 8:43
